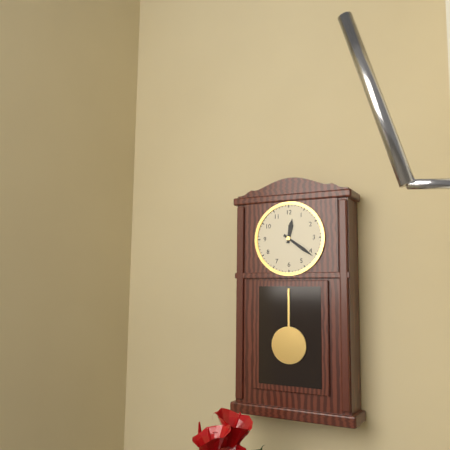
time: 12:21
